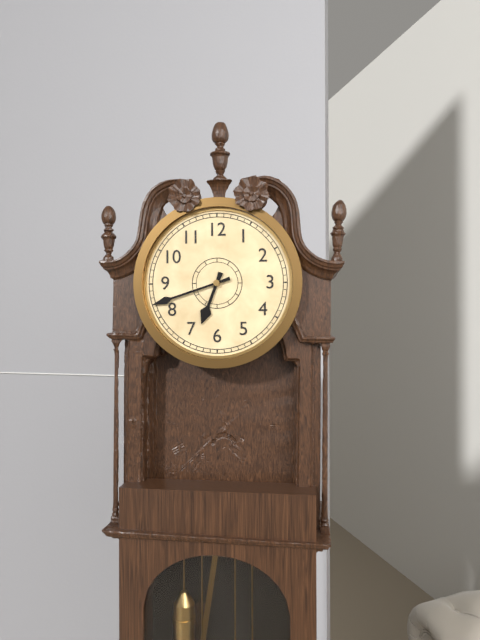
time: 6:42
